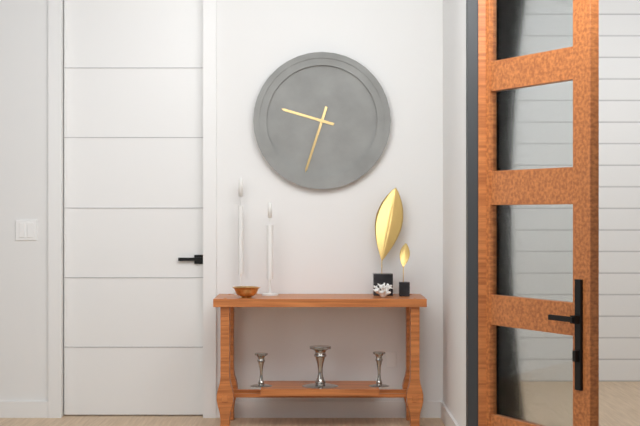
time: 9:33
